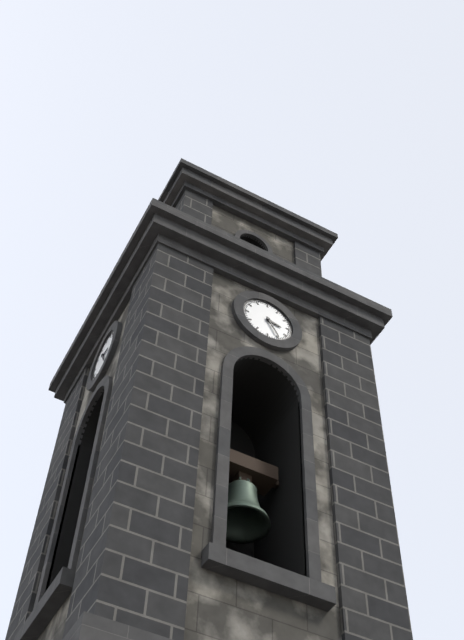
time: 3:25
